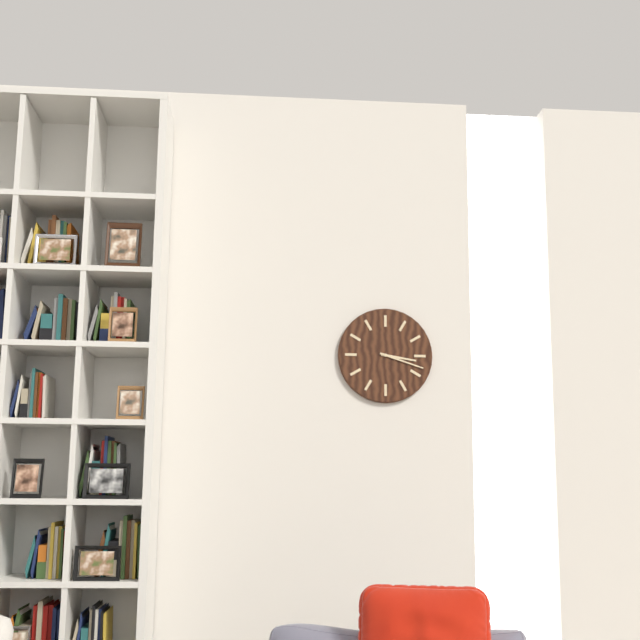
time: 3:18
